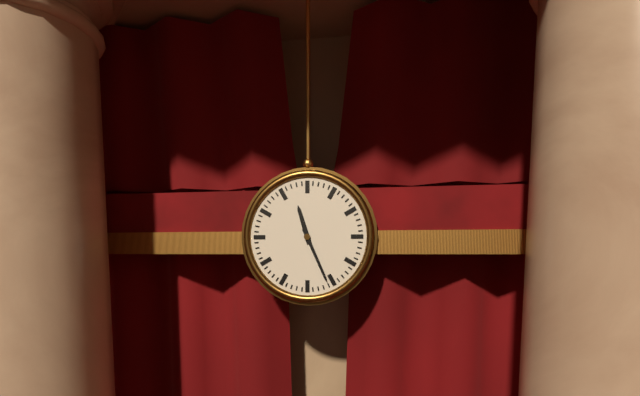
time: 11:26
